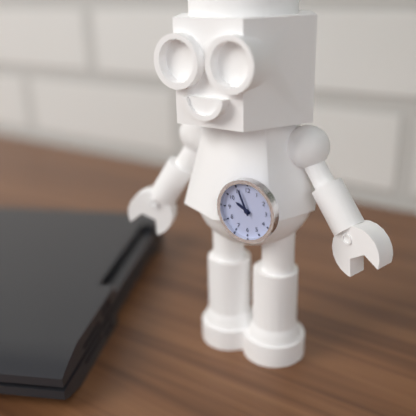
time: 9:56
